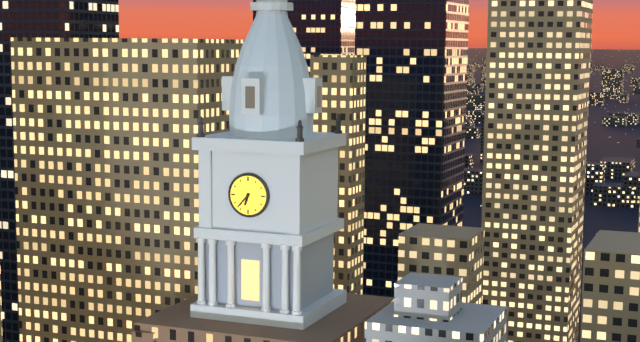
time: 6:37
